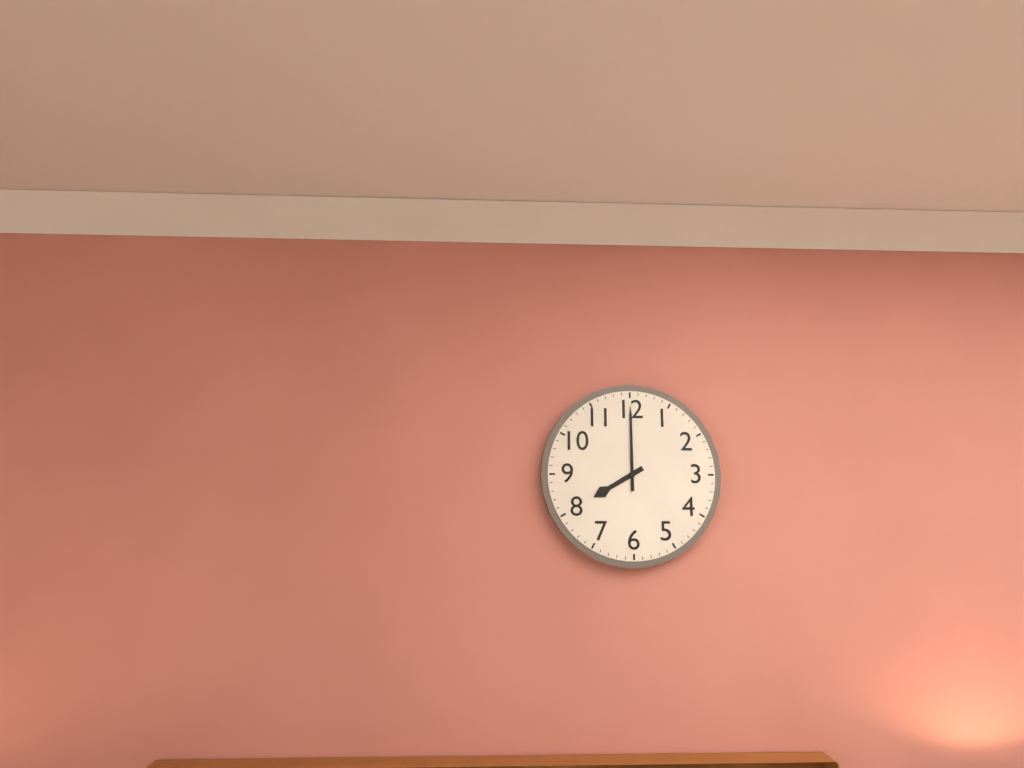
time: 8:00
